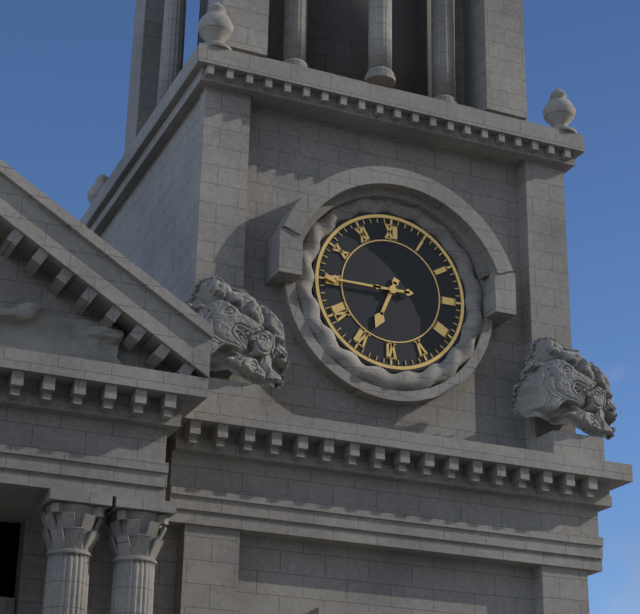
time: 6:45
